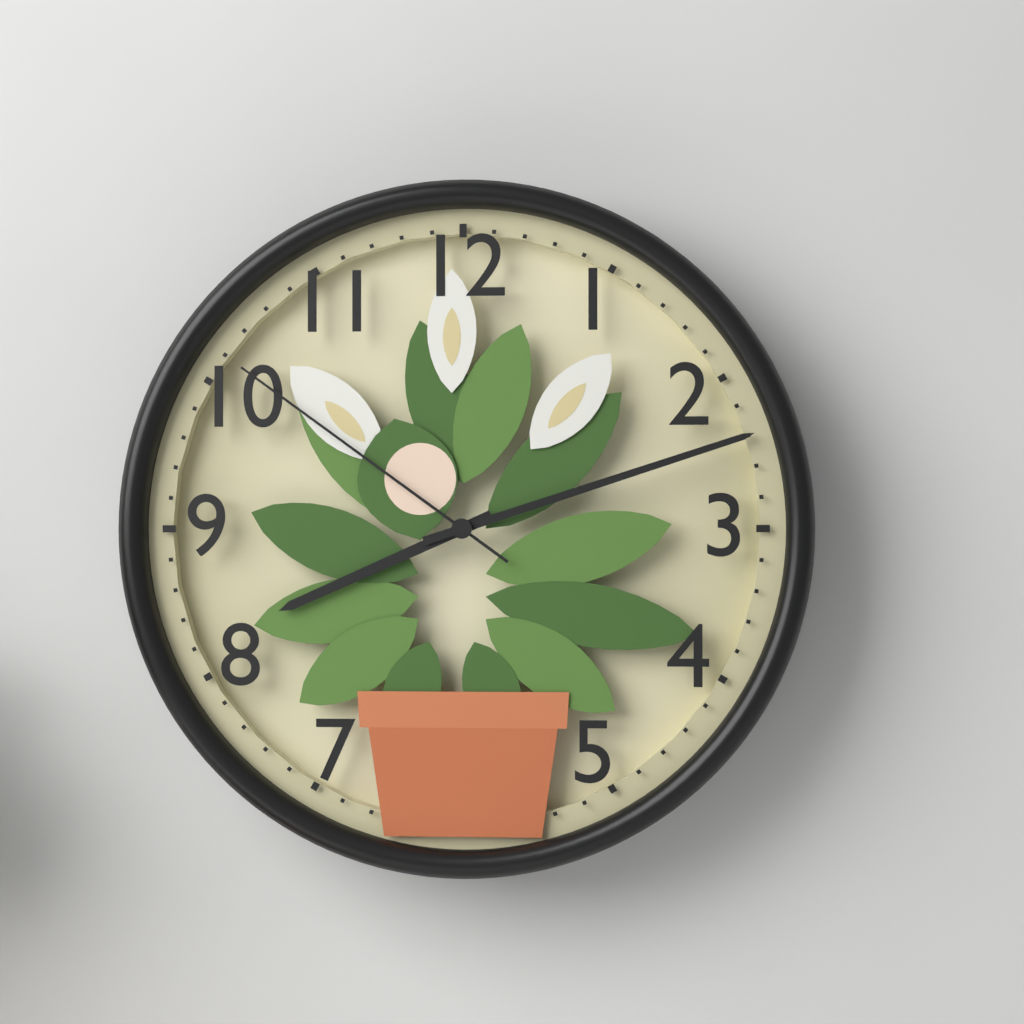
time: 8:12:51
